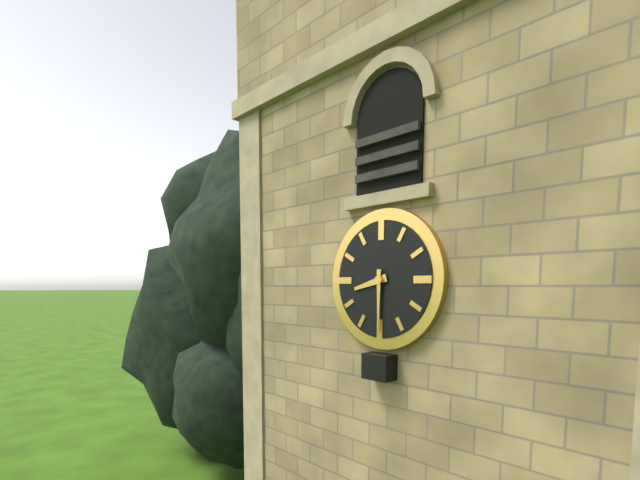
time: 8:30
